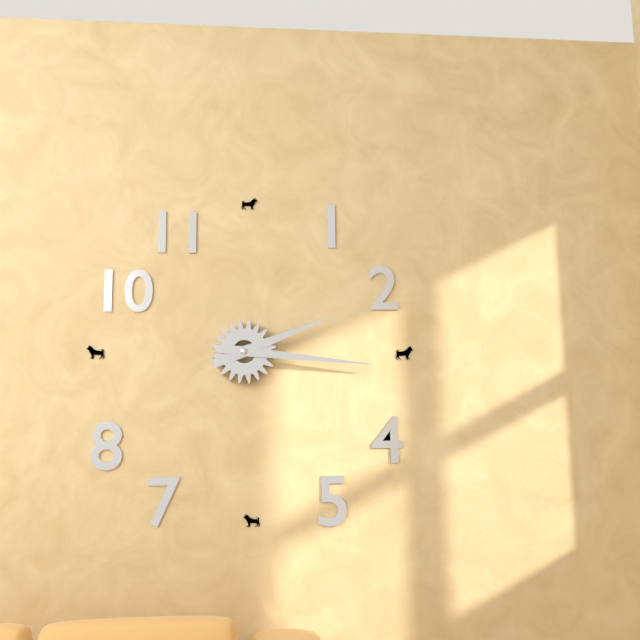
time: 2:16
